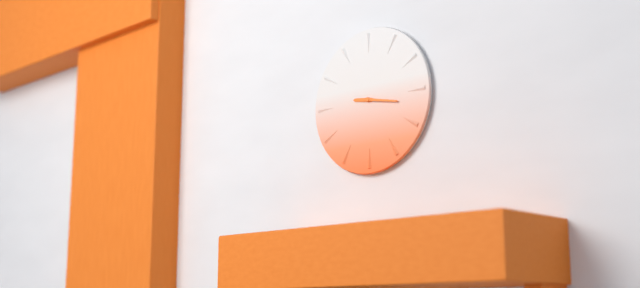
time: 9:17
